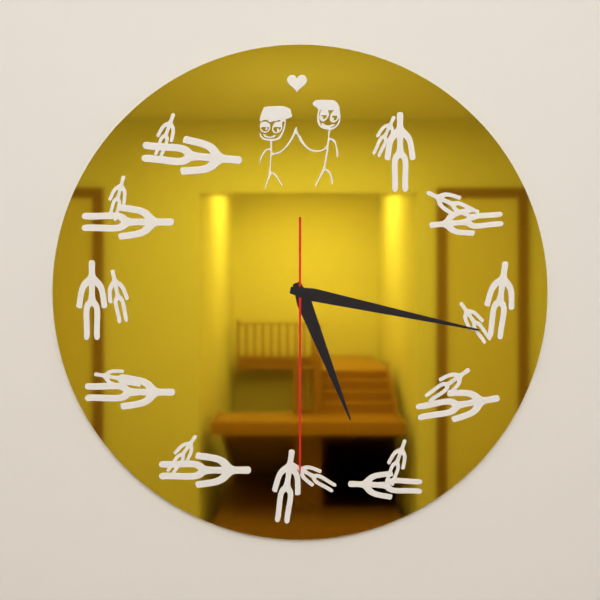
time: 5:17:30
